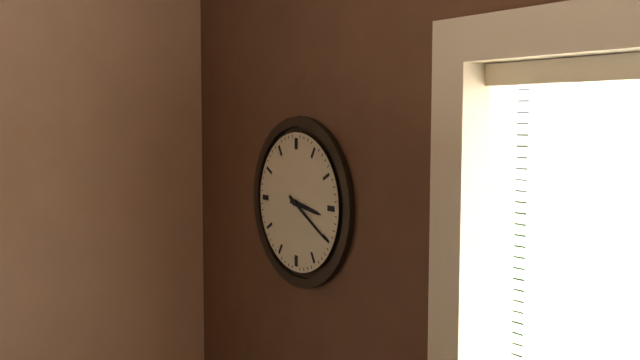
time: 3:20
